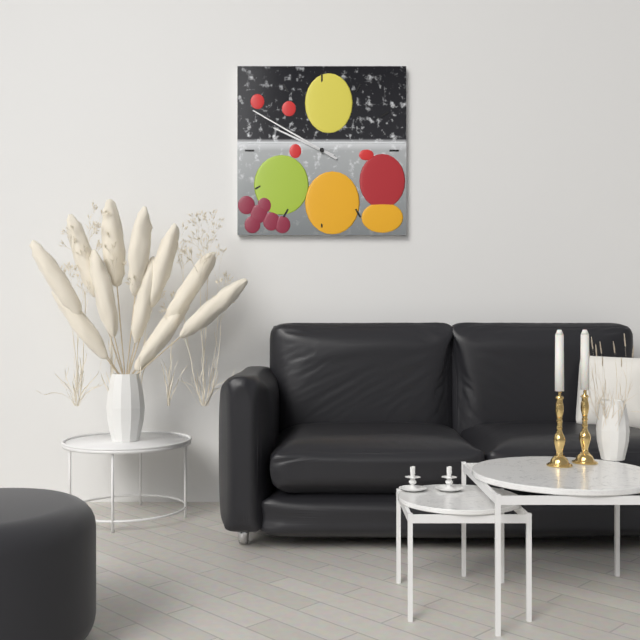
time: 9:50
